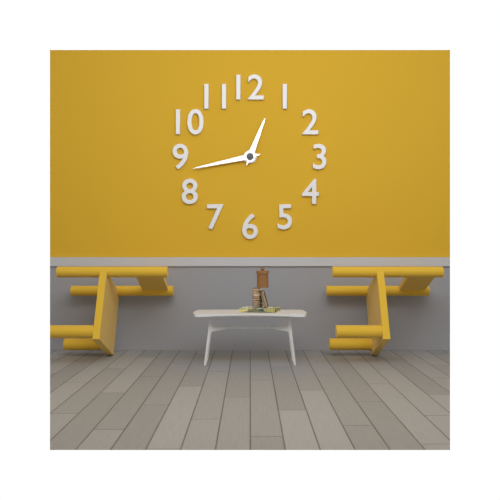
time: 12:43
